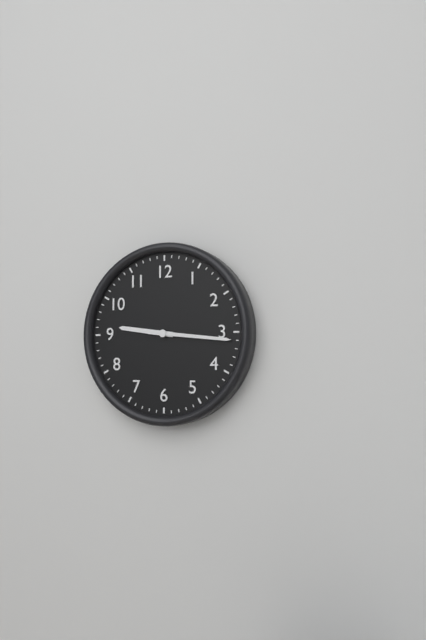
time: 9:16
